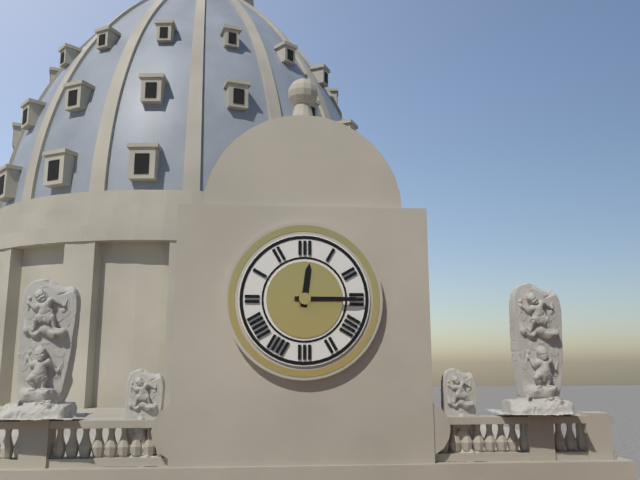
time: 12:15
